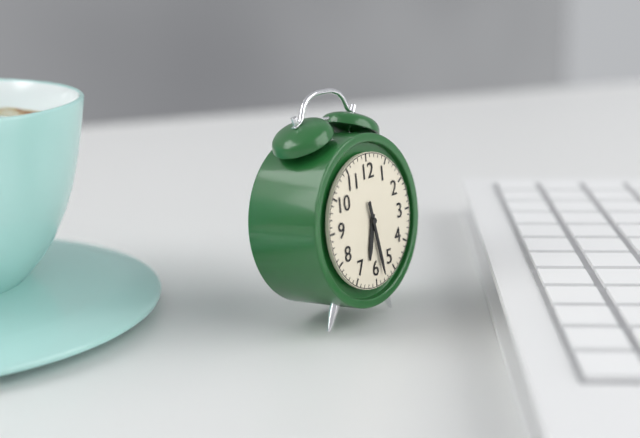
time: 6:28
